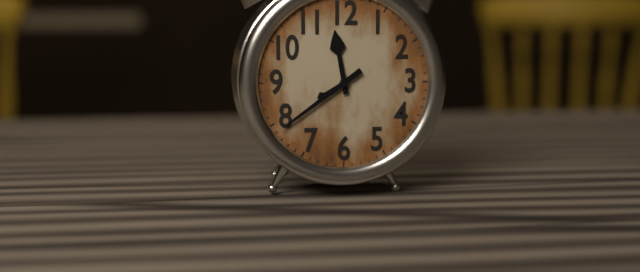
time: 11:39
